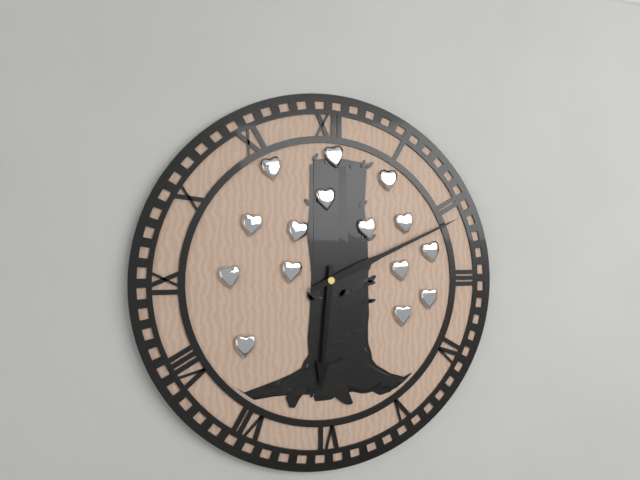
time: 6:11
